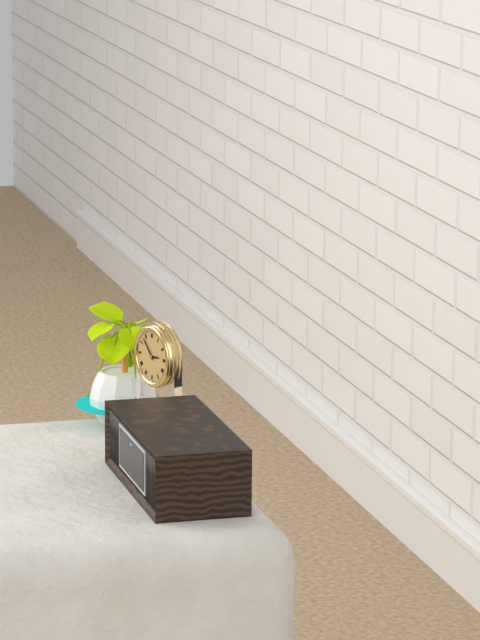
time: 2:53
